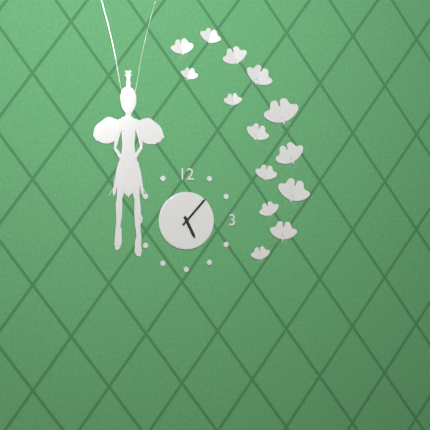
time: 5:07
